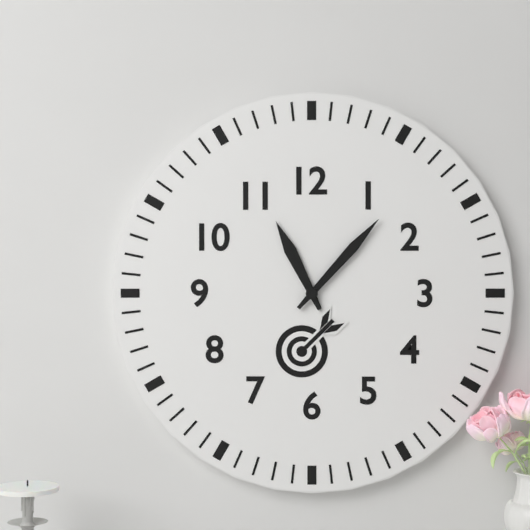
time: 11:07
